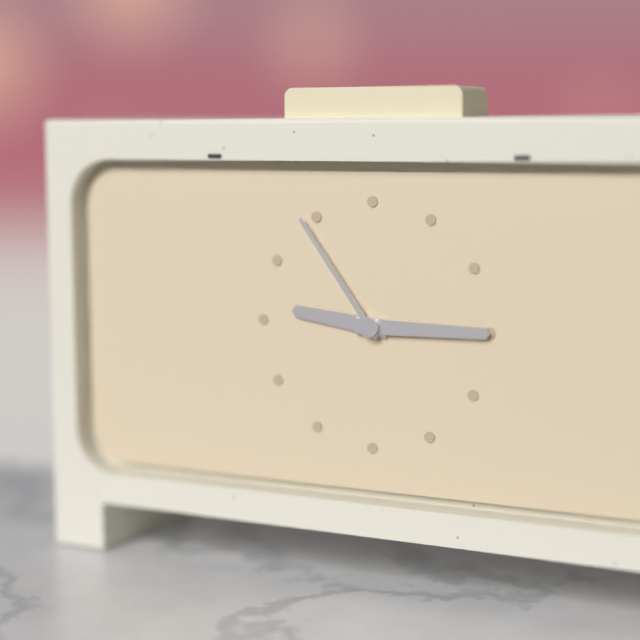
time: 9:15:54
